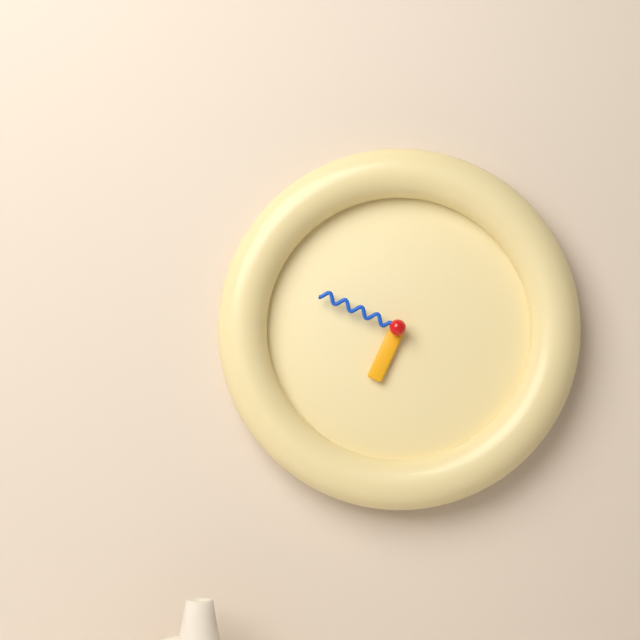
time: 6:49
